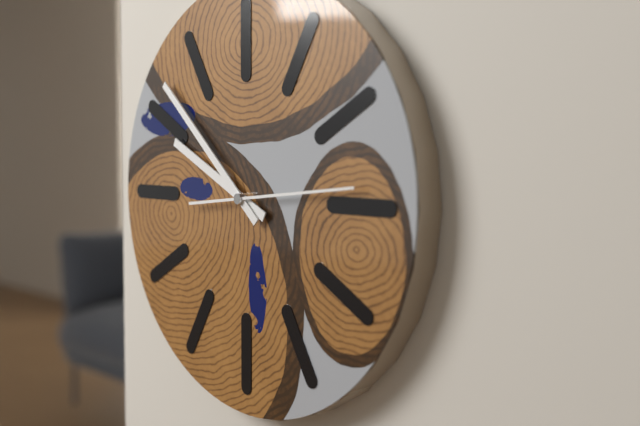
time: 9:52:14
